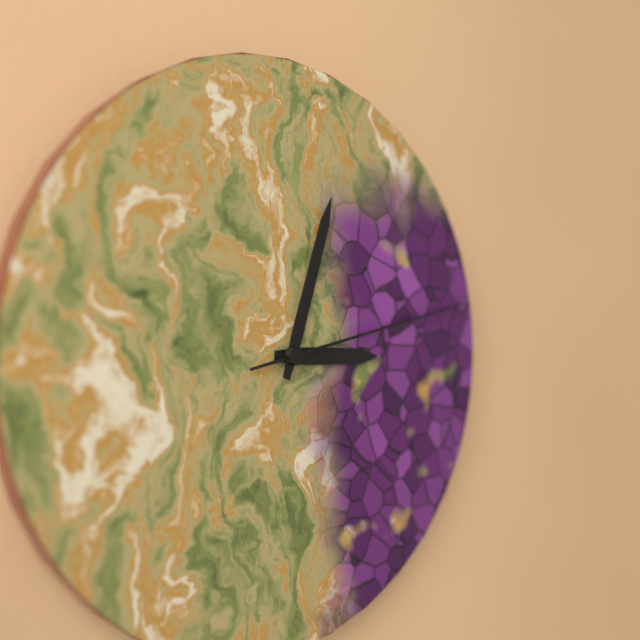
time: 3:03:13
